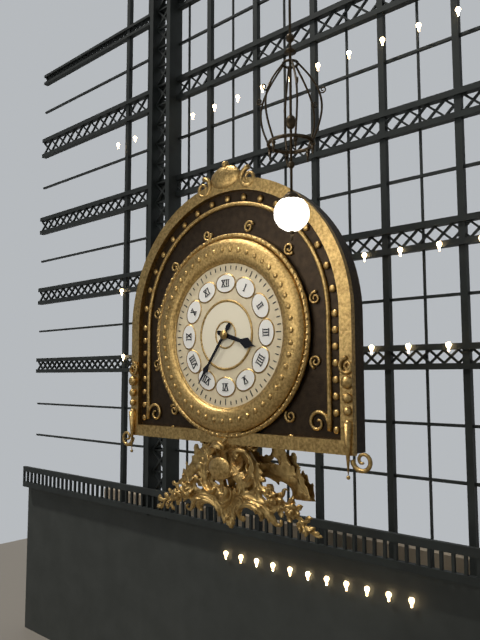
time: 3:36
